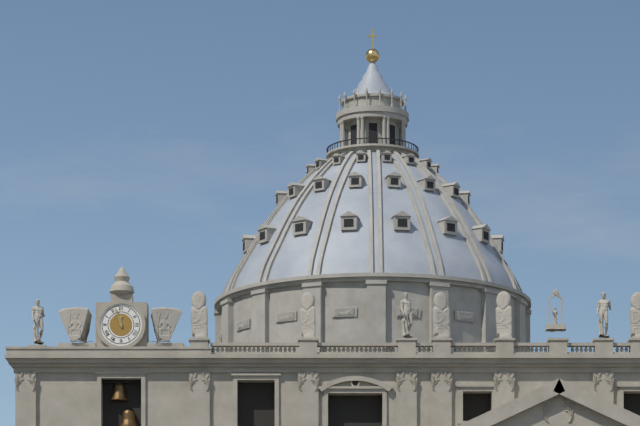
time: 11:57
